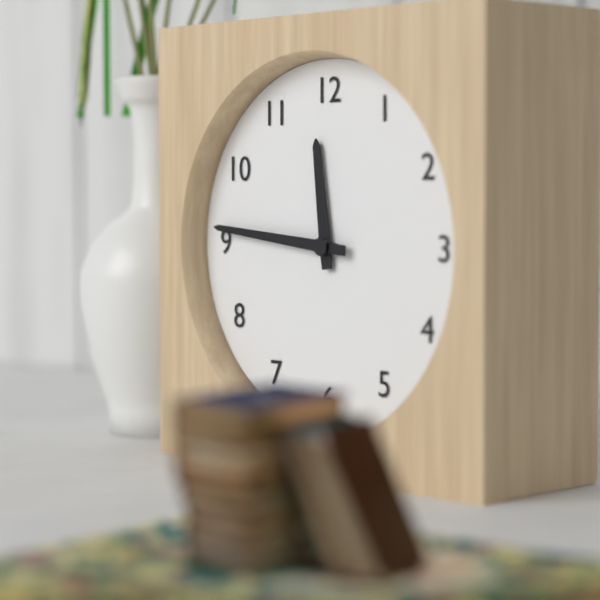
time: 11:46
